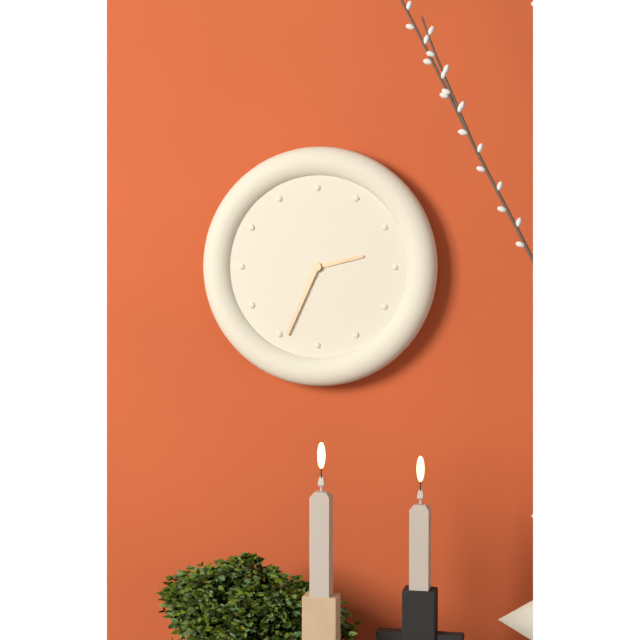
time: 2:34
